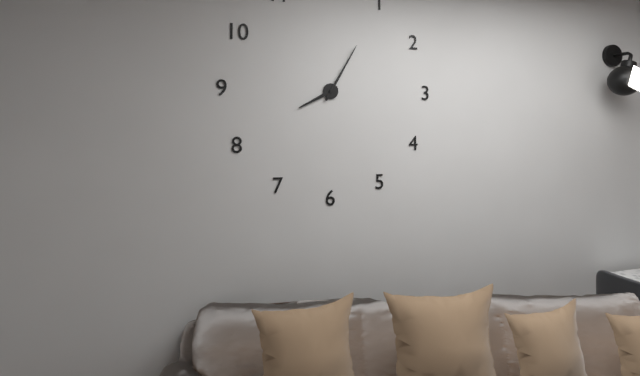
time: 8:05
